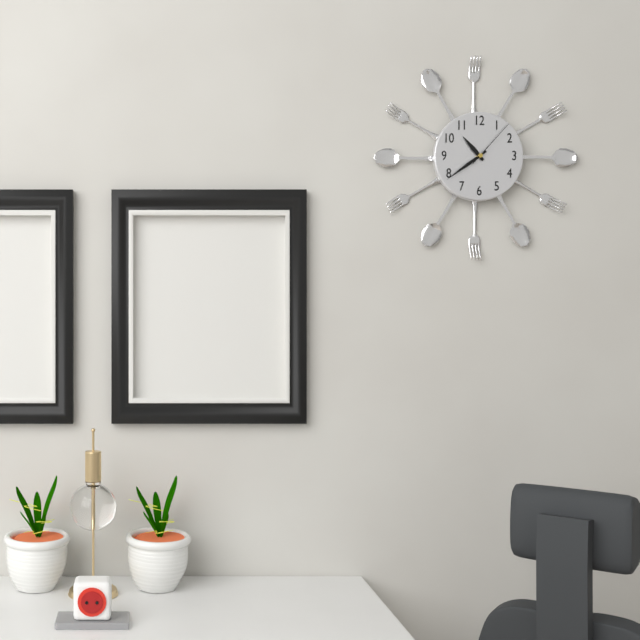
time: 10:39:07
